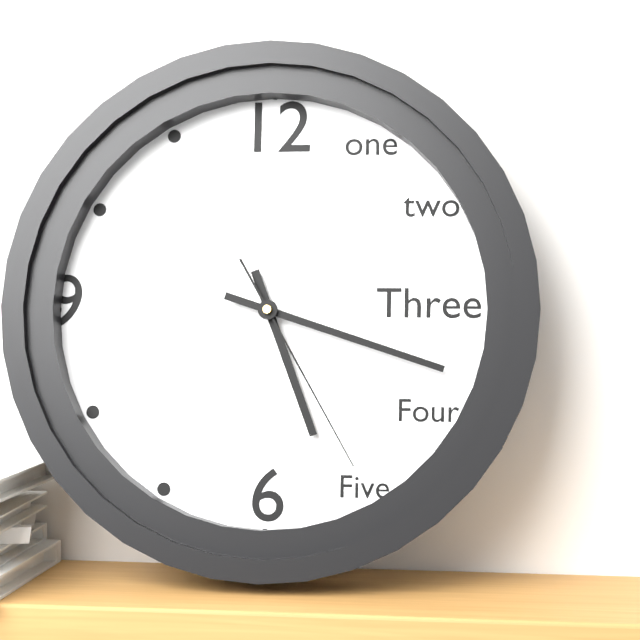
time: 5:18:25
